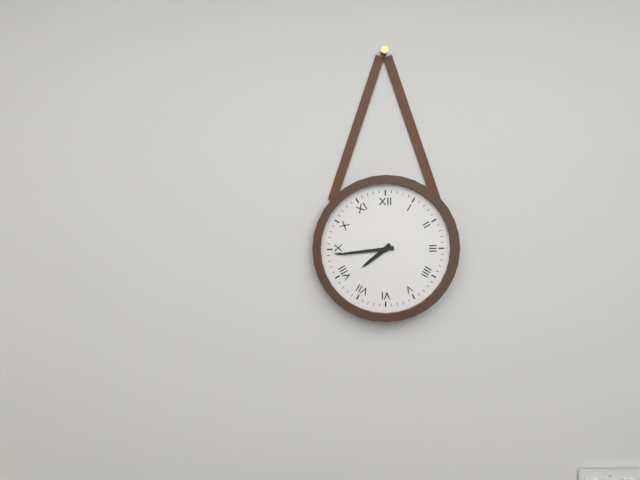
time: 7:44
